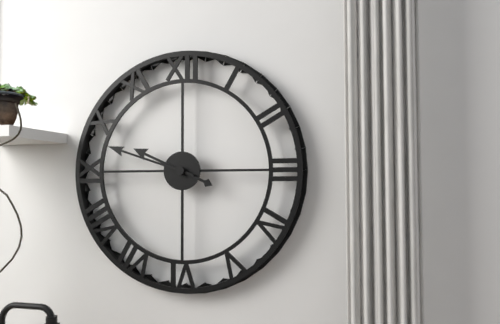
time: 9:48
